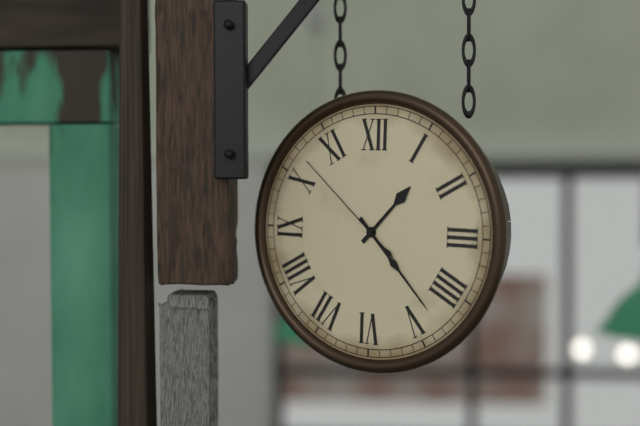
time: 1:23:52
